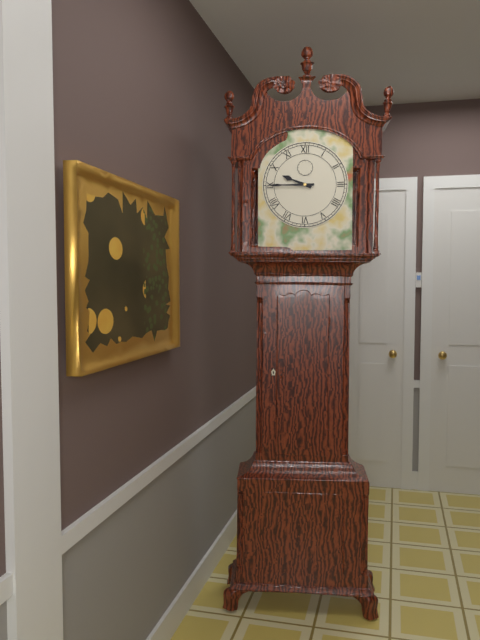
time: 9:45
